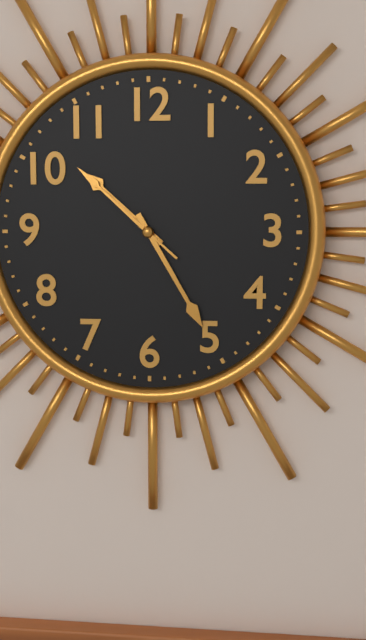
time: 10:25:52
